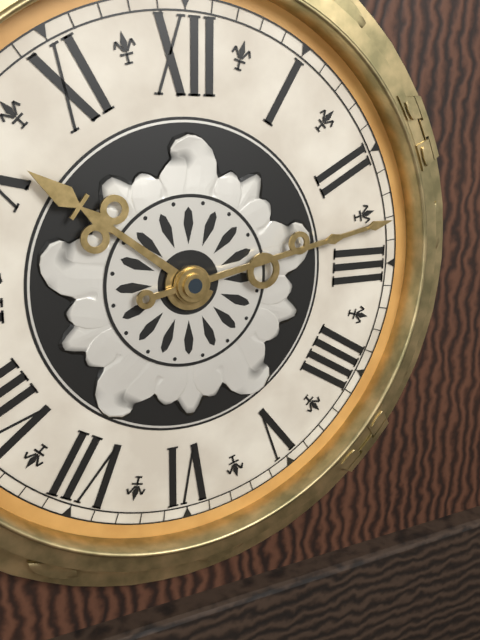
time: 10:13
